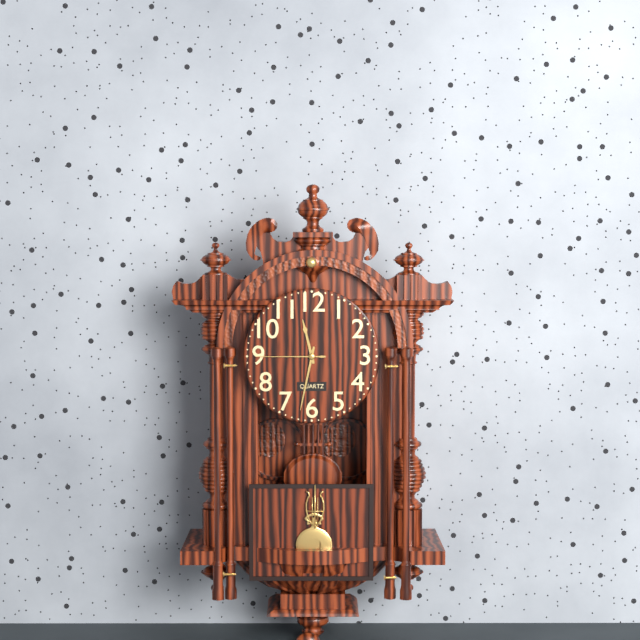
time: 11:32:45
